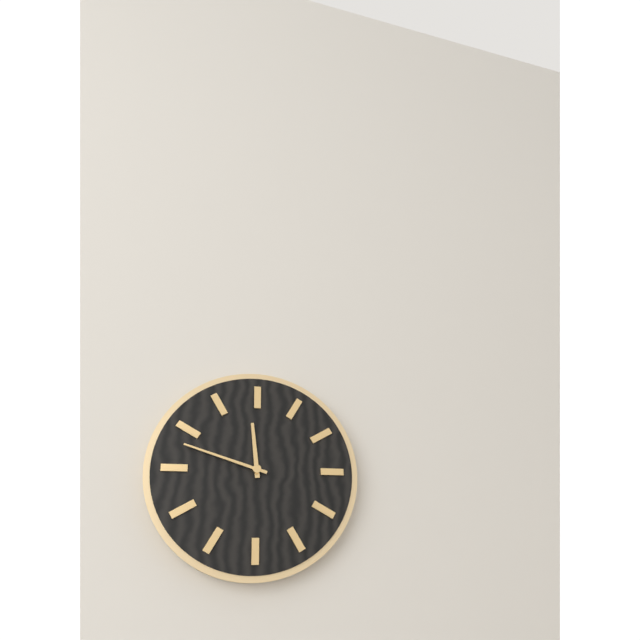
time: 11:48
